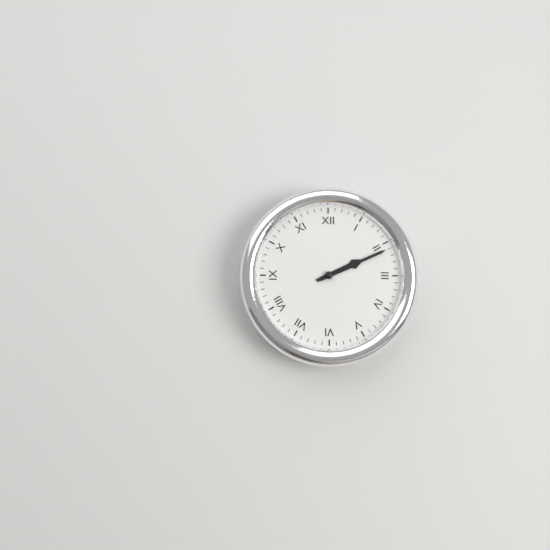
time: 2:11
